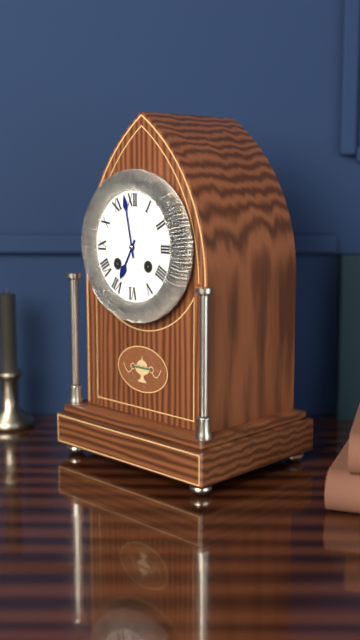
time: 6:58
